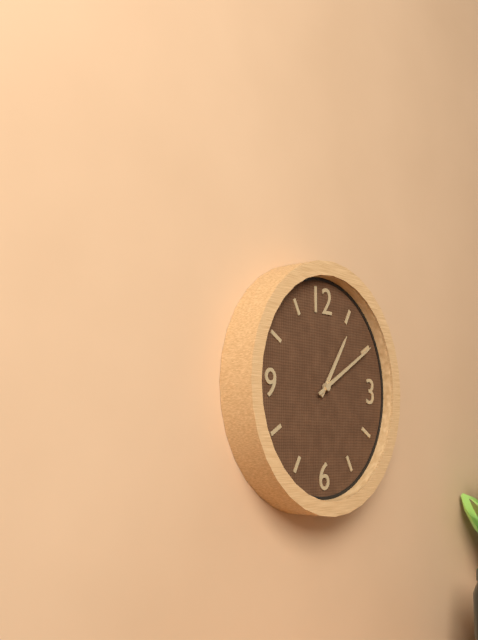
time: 1:10
